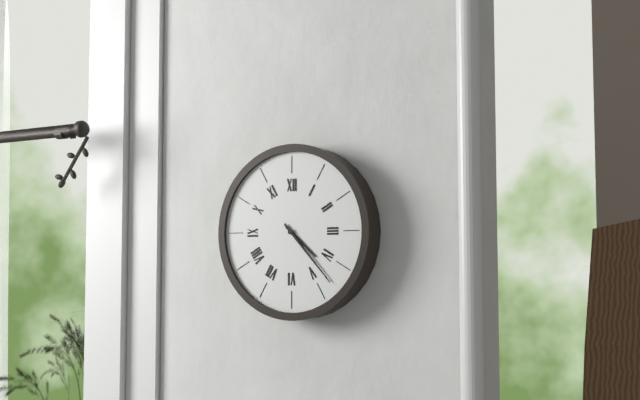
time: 4:23
